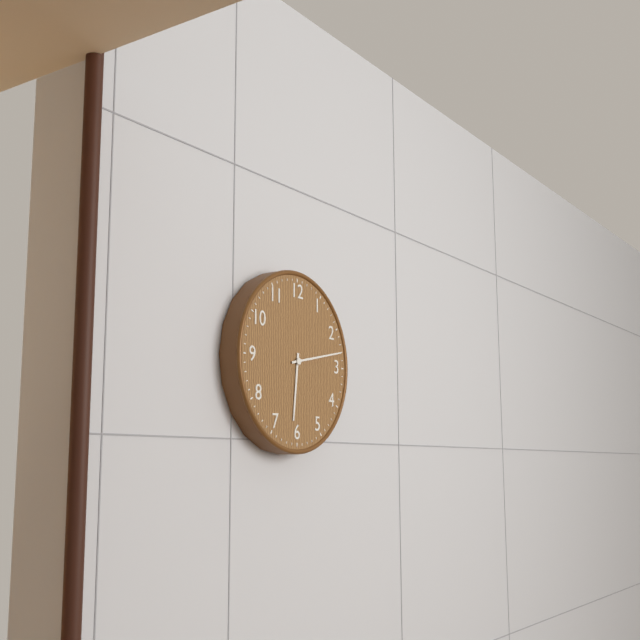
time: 6:13
